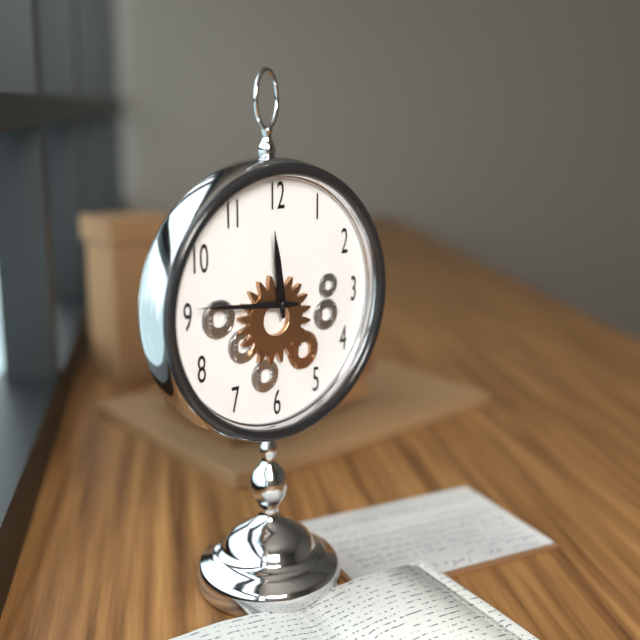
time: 11:46
